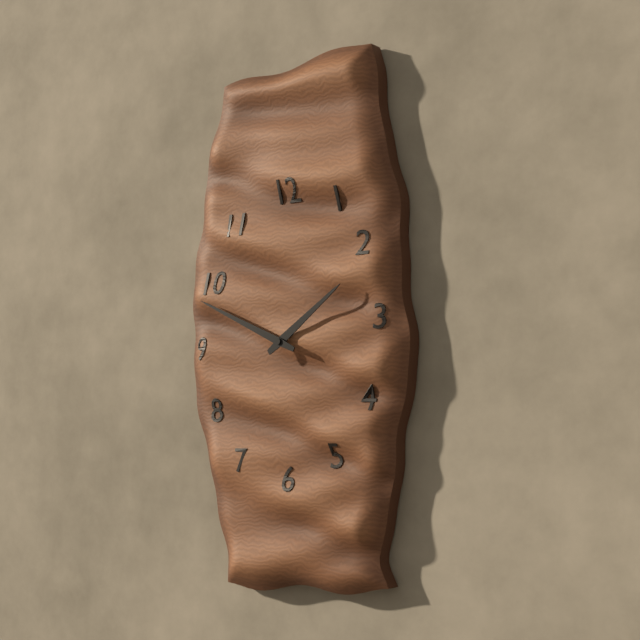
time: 1:49
